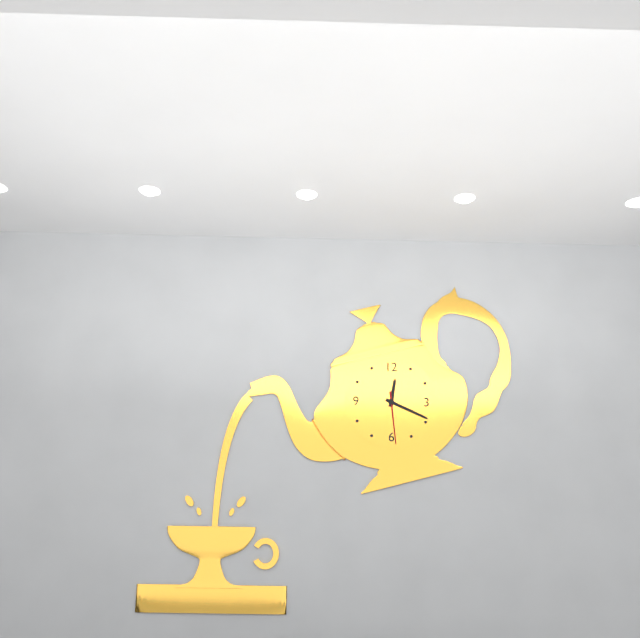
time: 12:19:29
